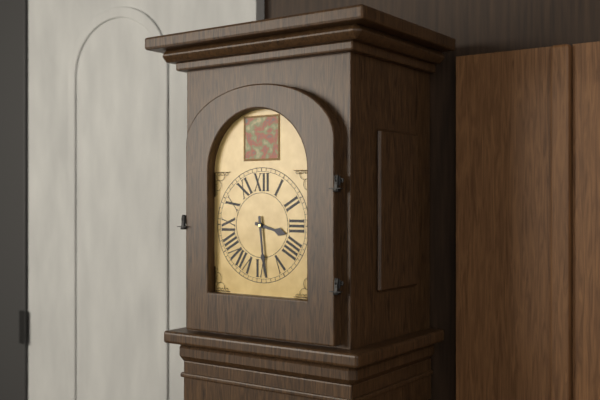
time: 3:29
